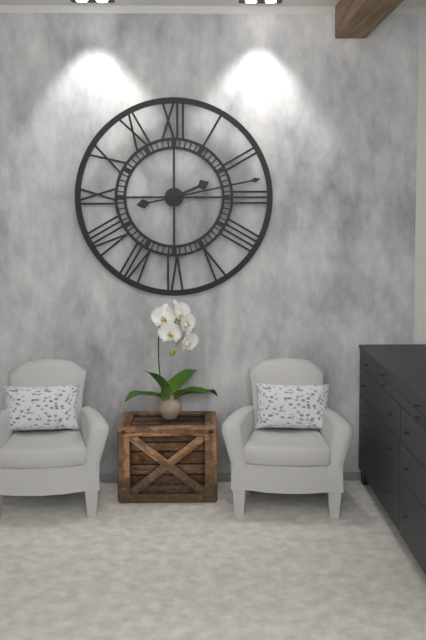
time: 2:13
